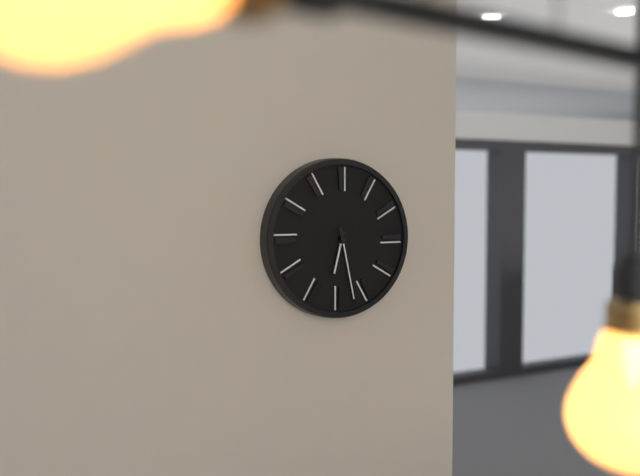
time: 6:28
